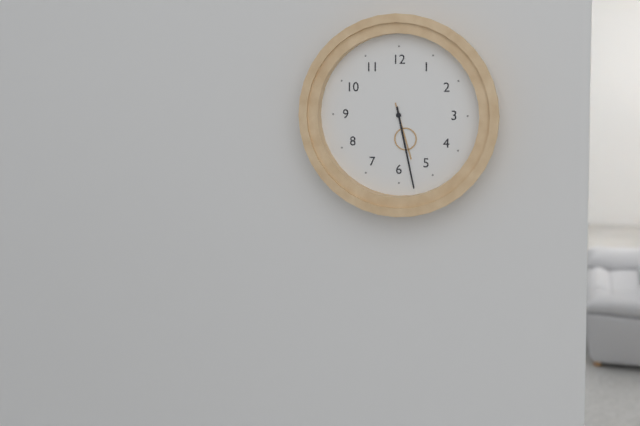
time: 5:28
